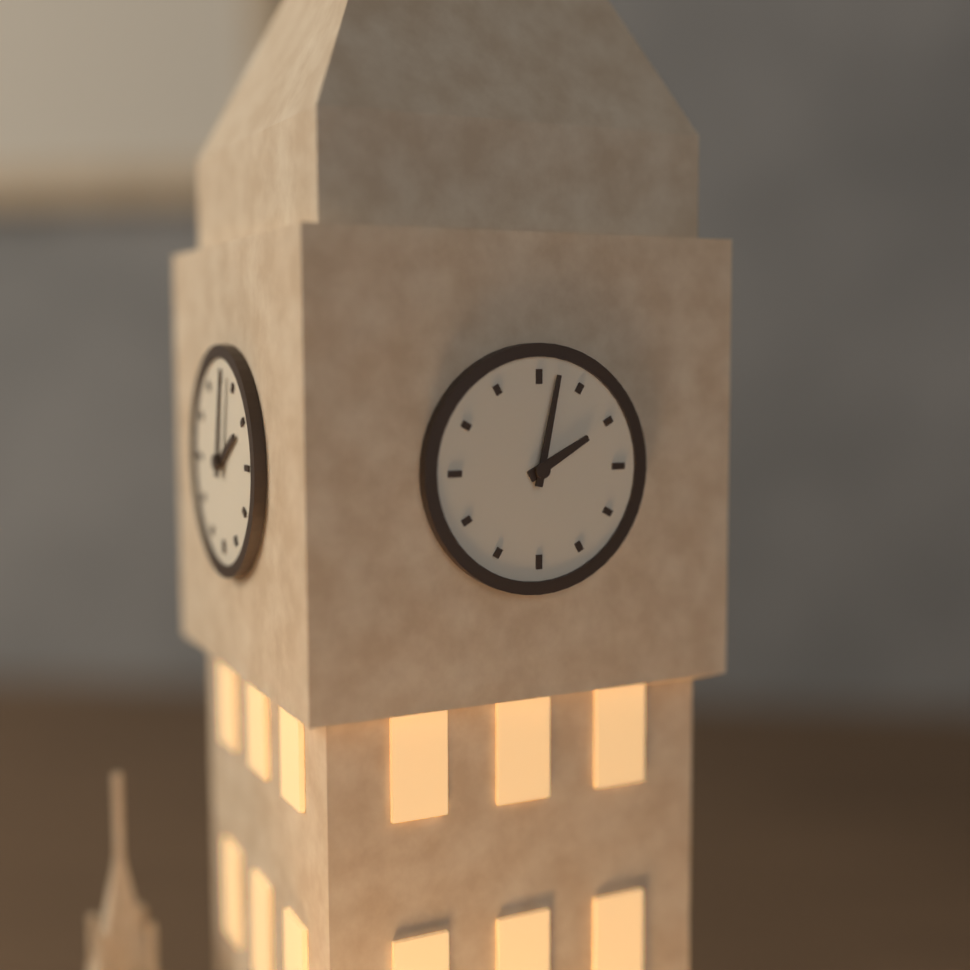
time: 2:02
